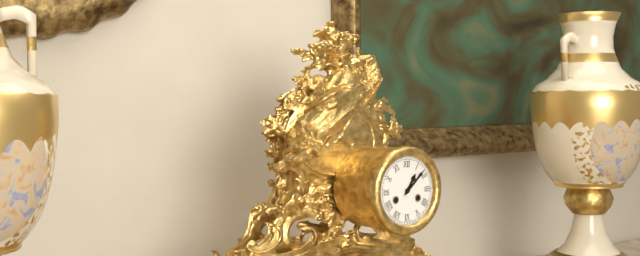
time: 1:08
